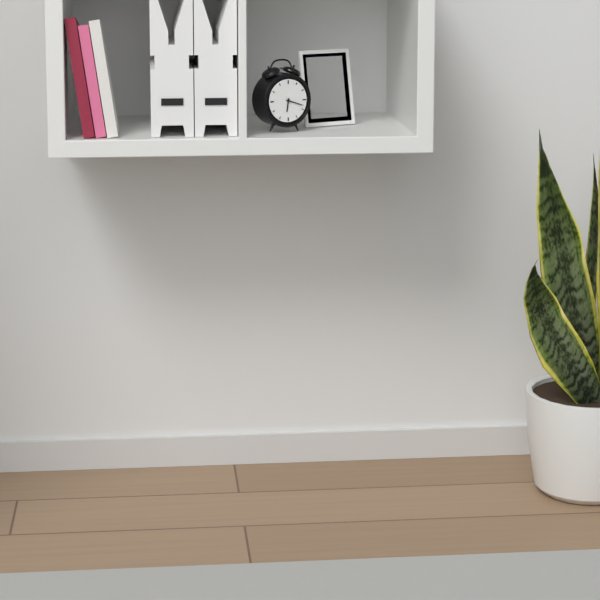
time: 6:18
